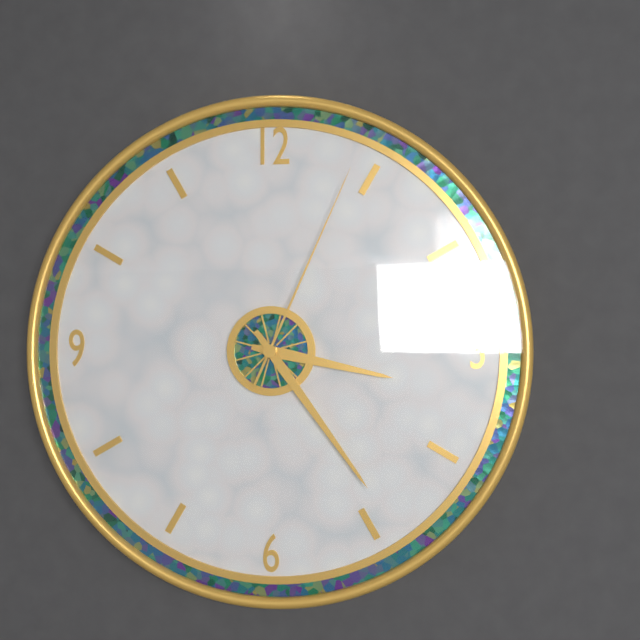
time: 3:24:04
